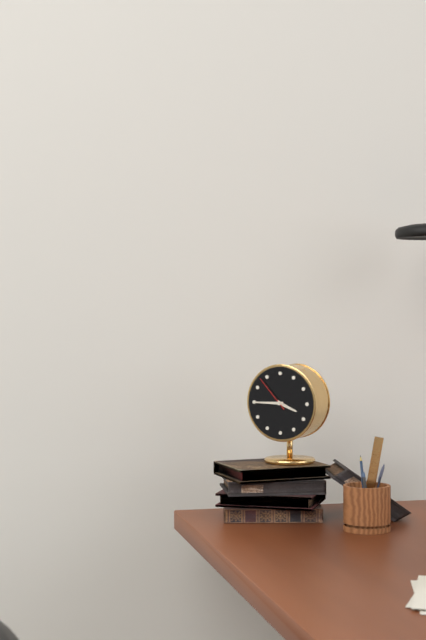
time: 3:45
